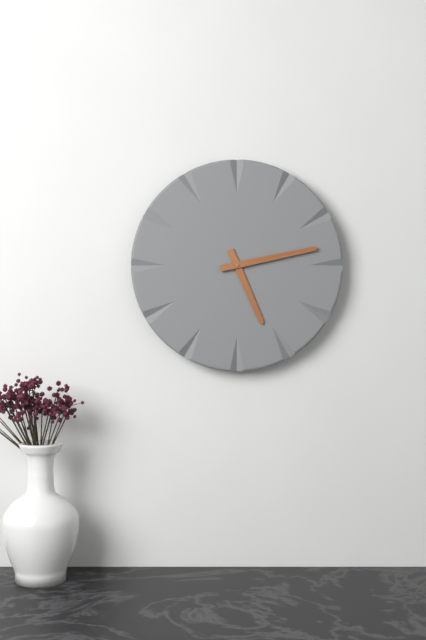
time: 5:13
